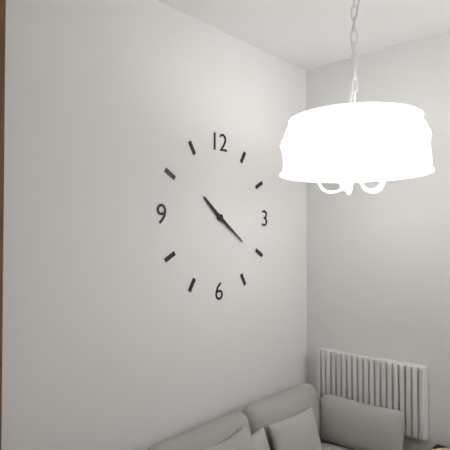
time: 10:21
